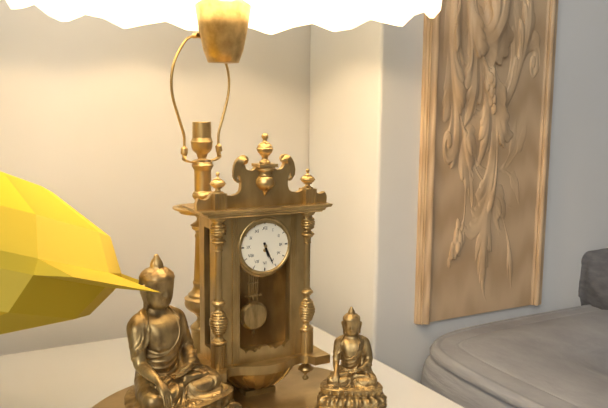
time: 5:26
